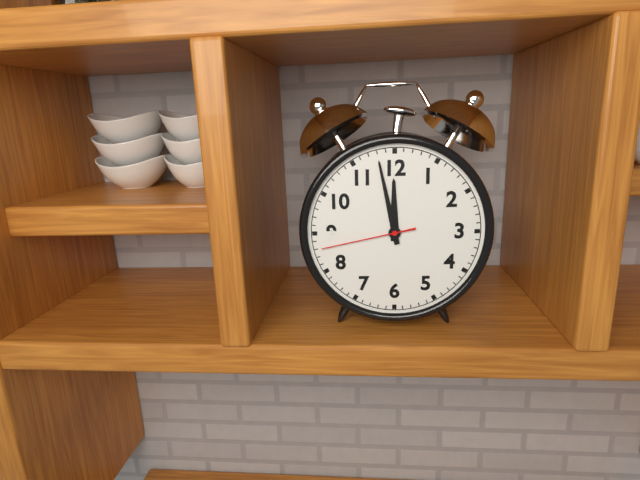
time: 11:58:43
